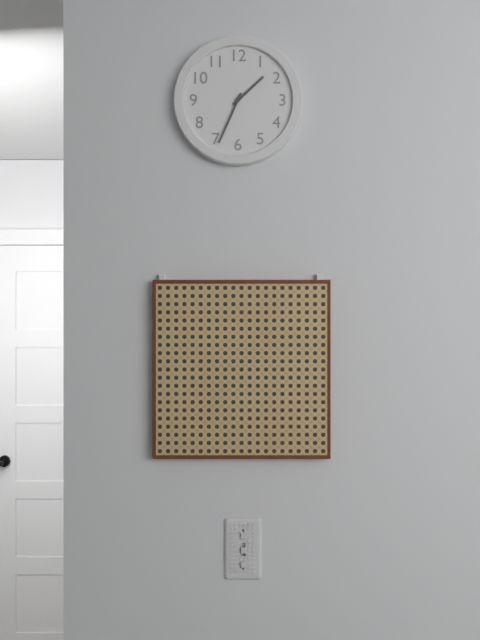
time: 1:34
